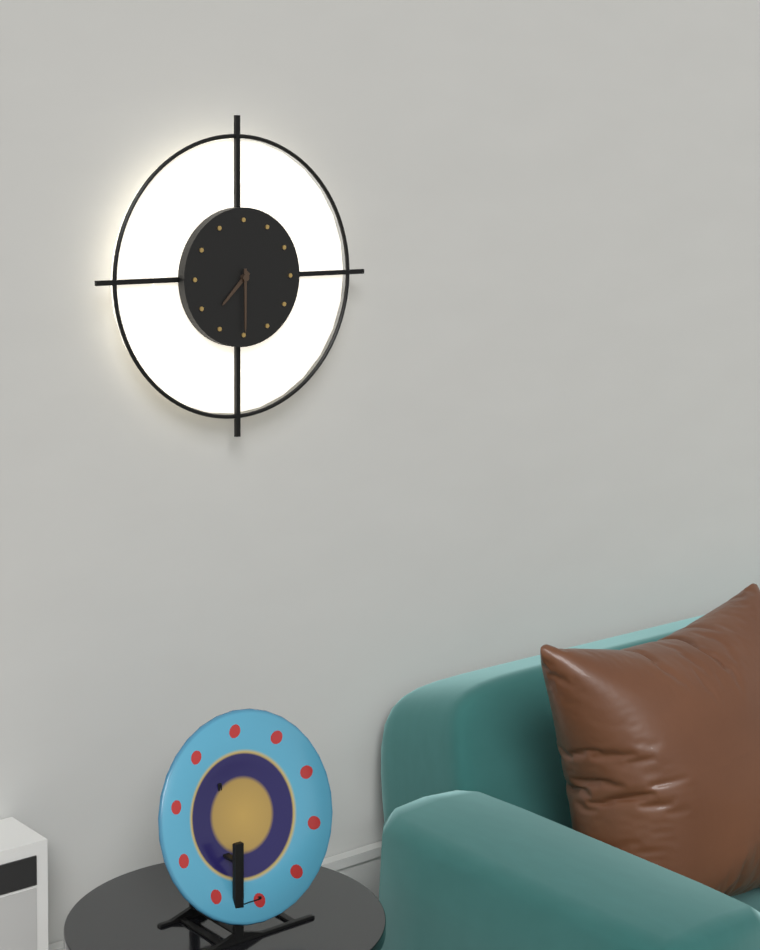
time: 7:30
